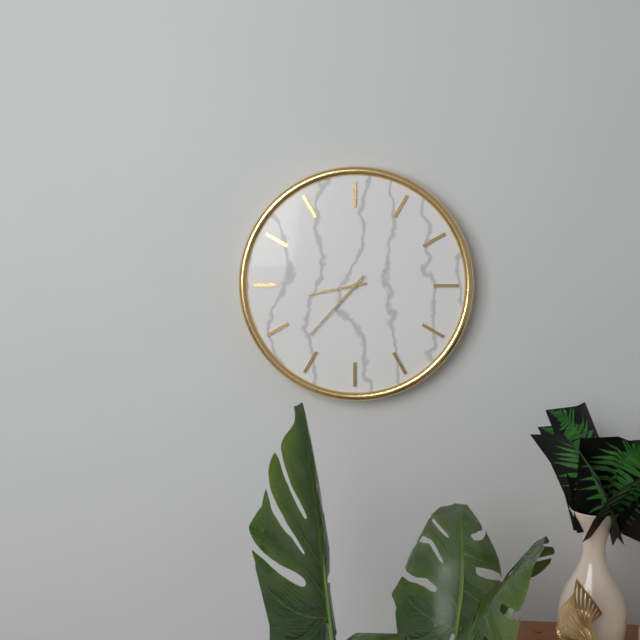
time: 8:37
